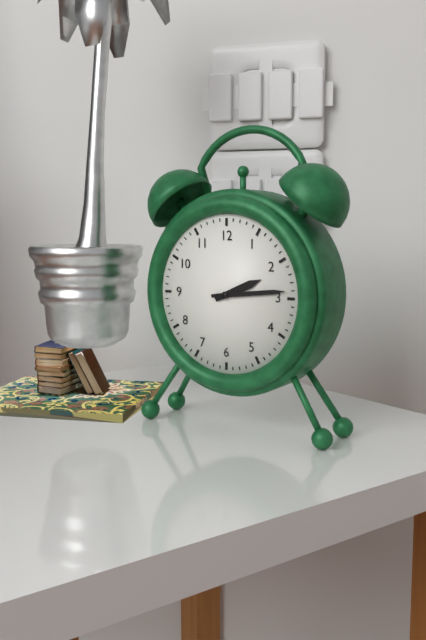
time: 2:14
